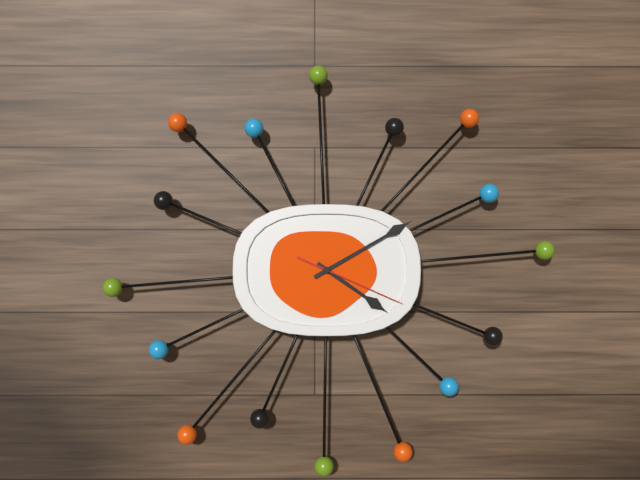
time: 4:10:19
